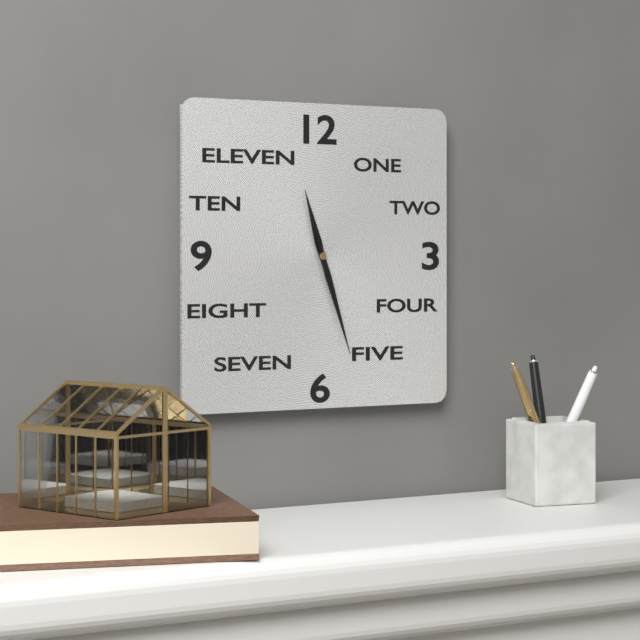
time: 11:27
